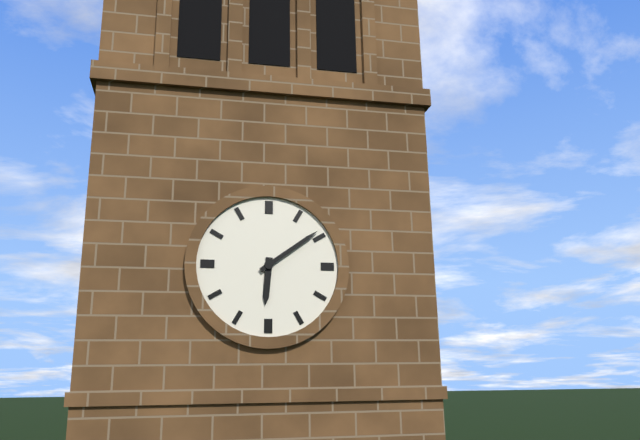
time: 6:09
